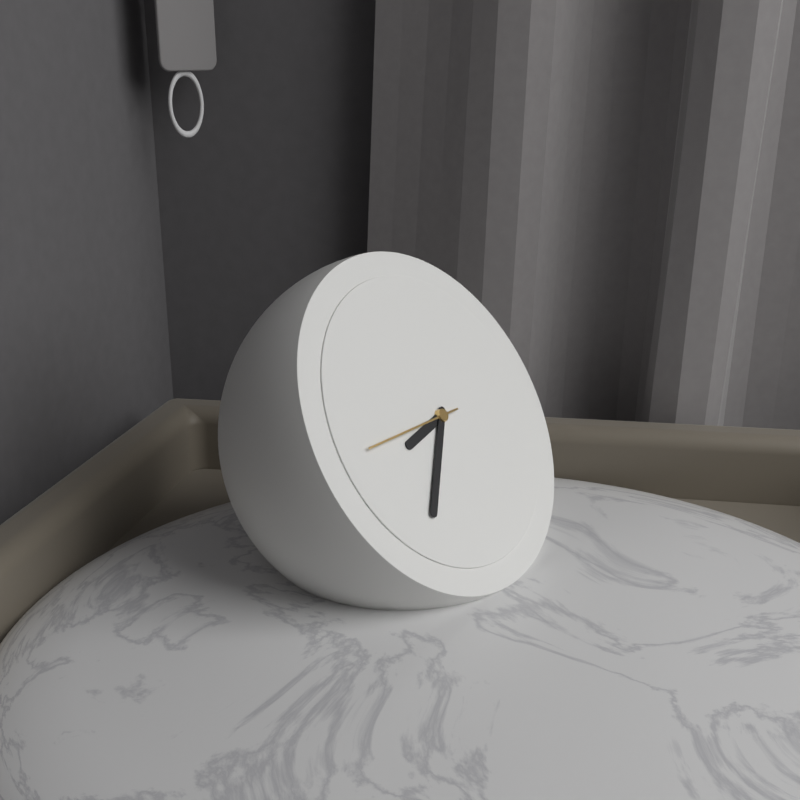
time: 8:37:45
